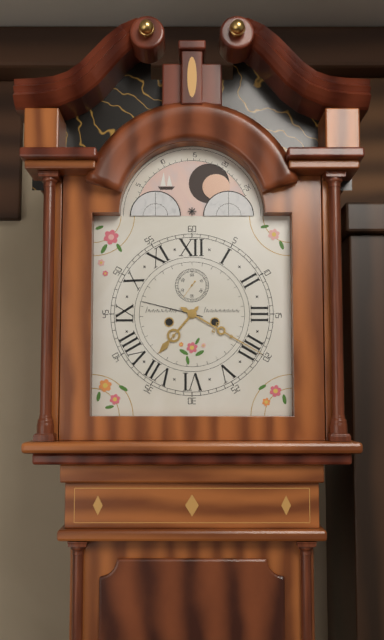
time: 7:20
